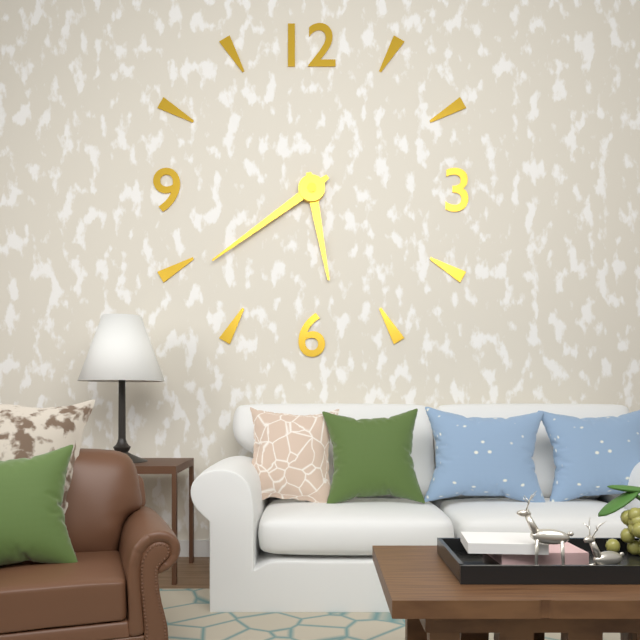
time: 5:39
